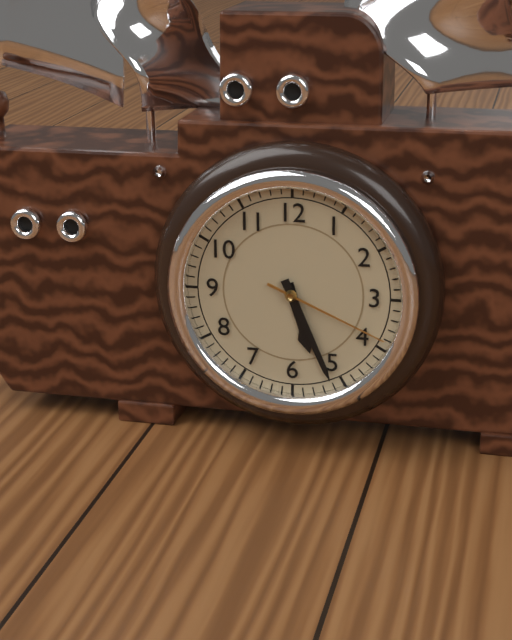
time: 5:26:19
